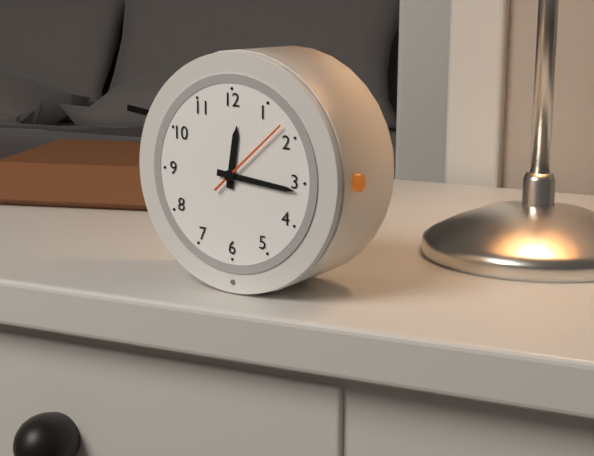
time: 12:16:08
